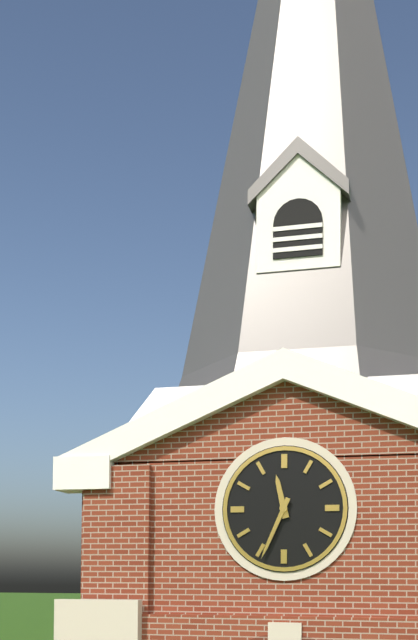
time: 11:34
